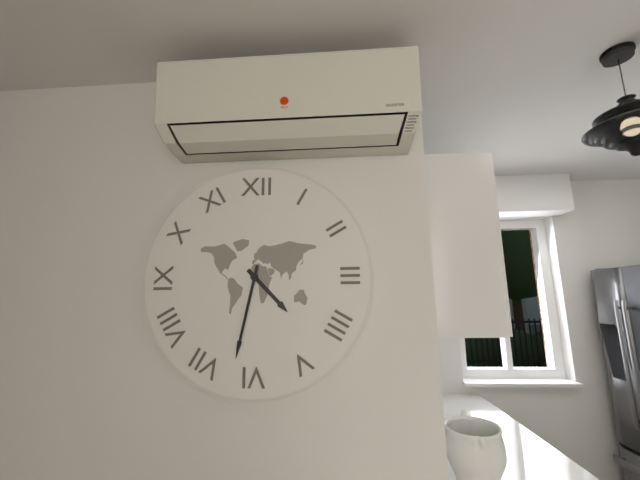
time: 4:32
